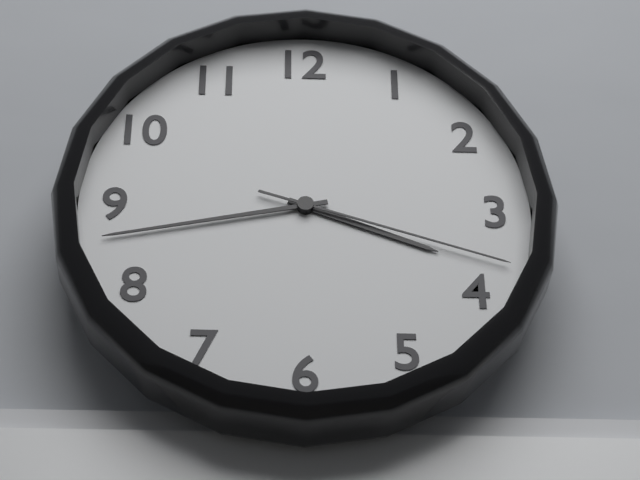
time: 3:43:18
